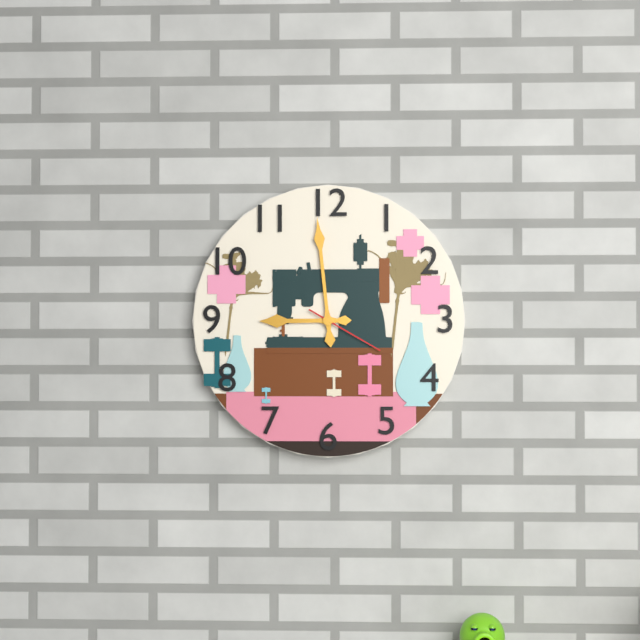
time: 8:59:20
